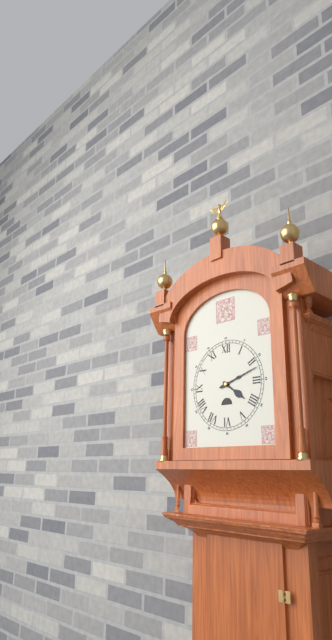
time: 4:12
